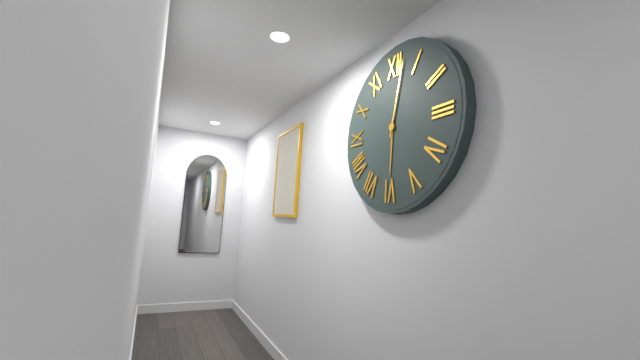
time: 6:02
